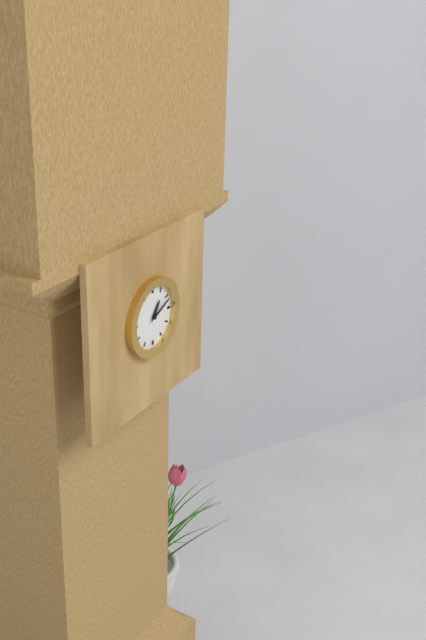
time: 1:11
